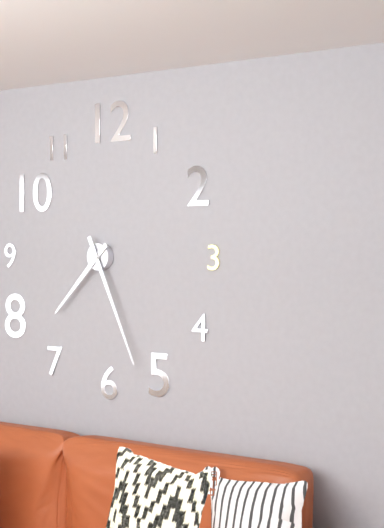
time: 7:26
